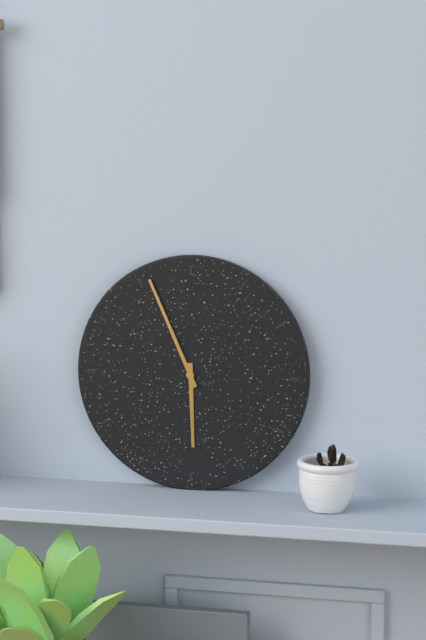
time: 5:56
